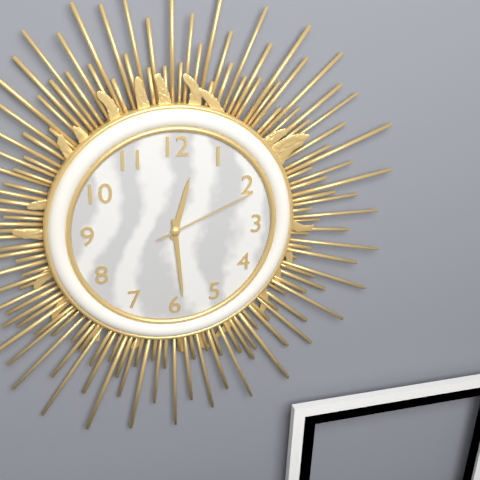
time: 12:29:11
